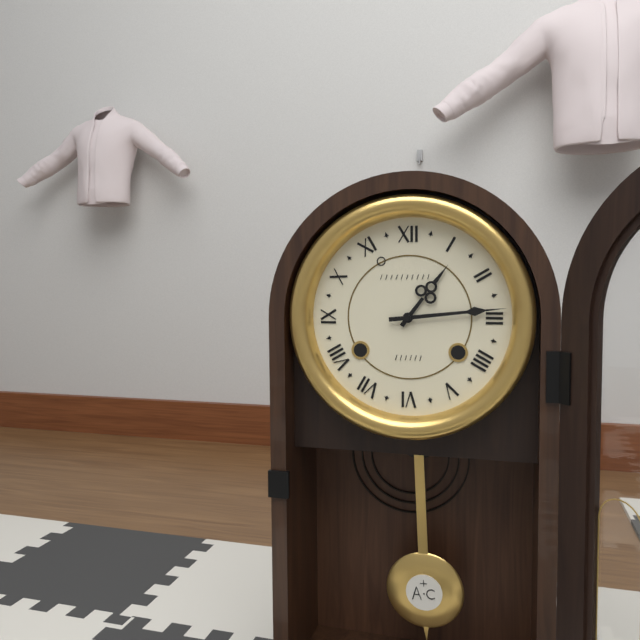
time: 1:14
